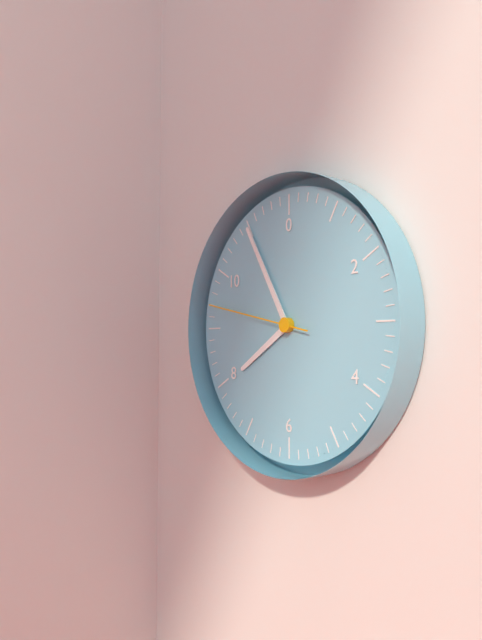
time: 7:55:47
